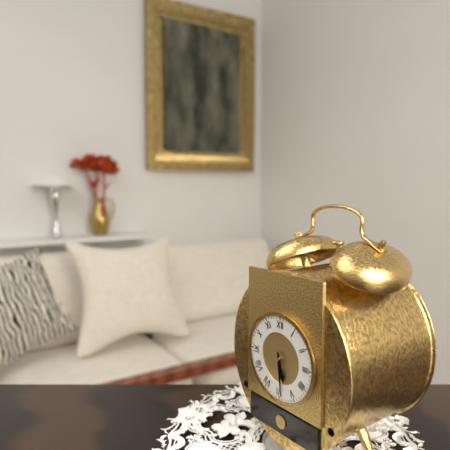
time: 5:29
